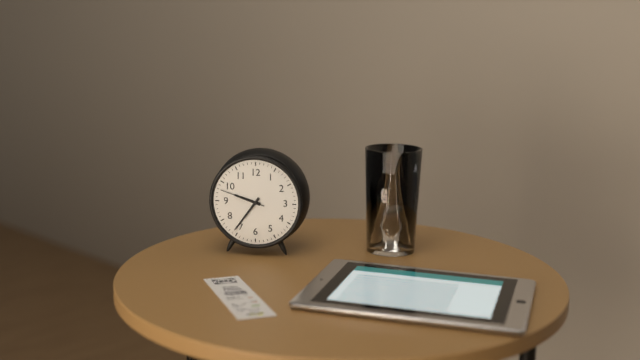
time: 9:36
